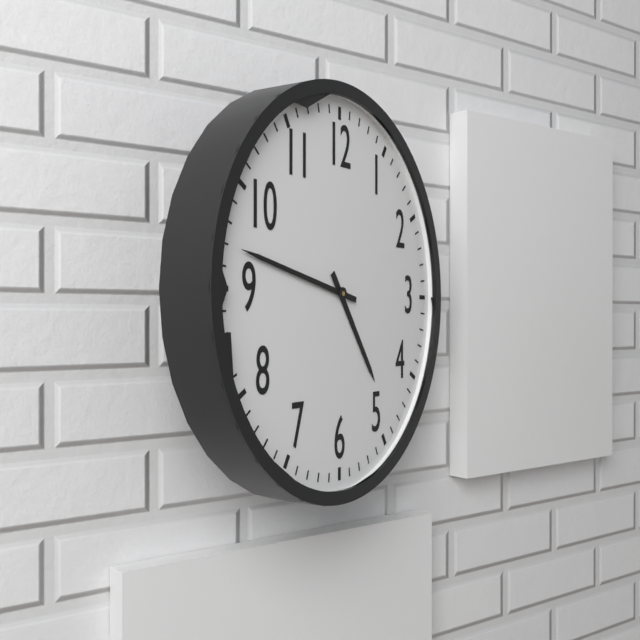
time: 4:47
